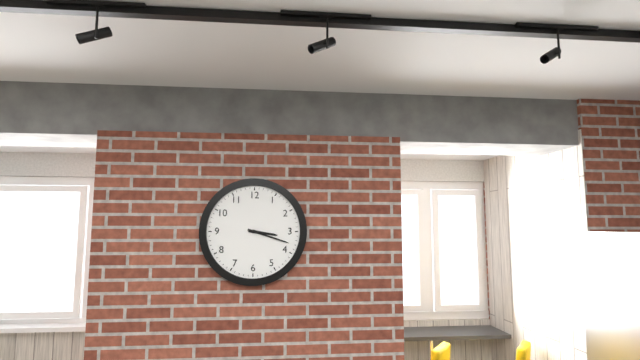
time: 3:18
